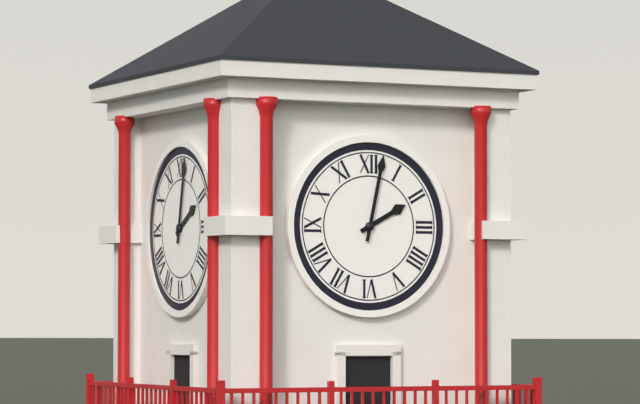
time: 2:02
